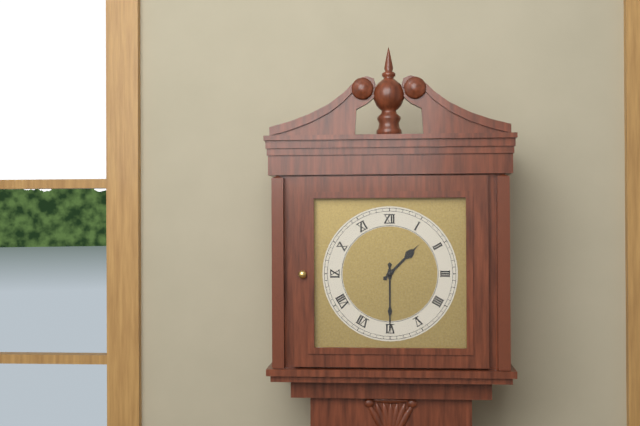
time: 1:30
